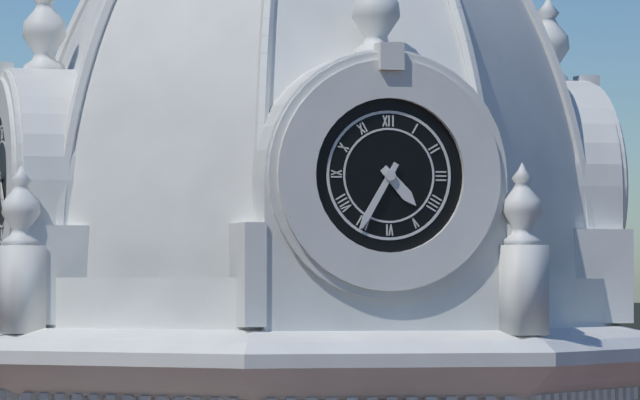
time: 4:35
